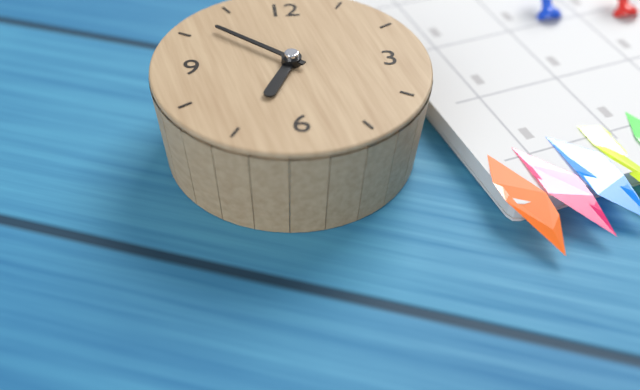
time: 6:52
